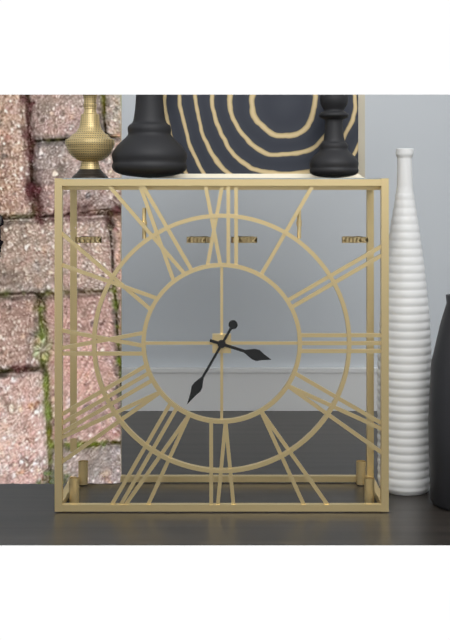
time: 3:35
